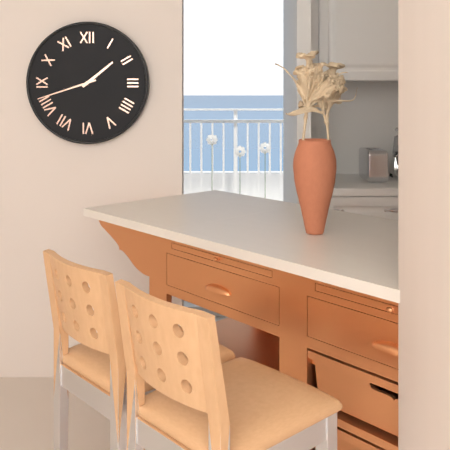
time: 1:42
